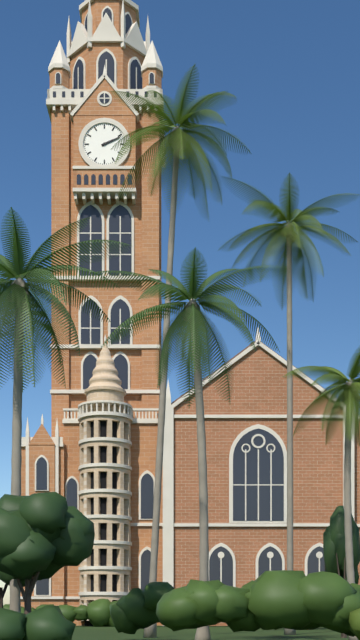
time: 2:11
